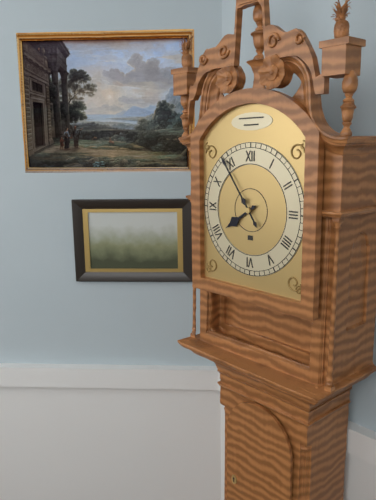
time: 7:54
